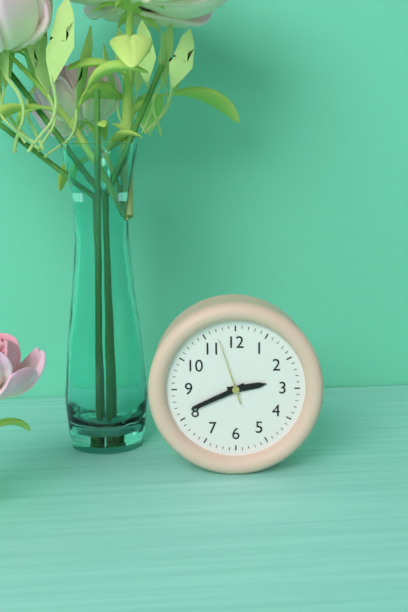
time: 2:41:57
